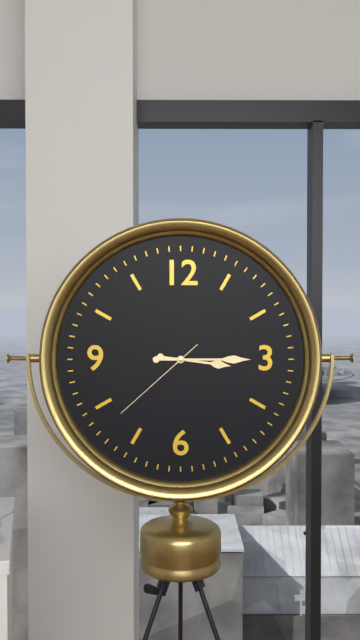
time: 3:15:38
